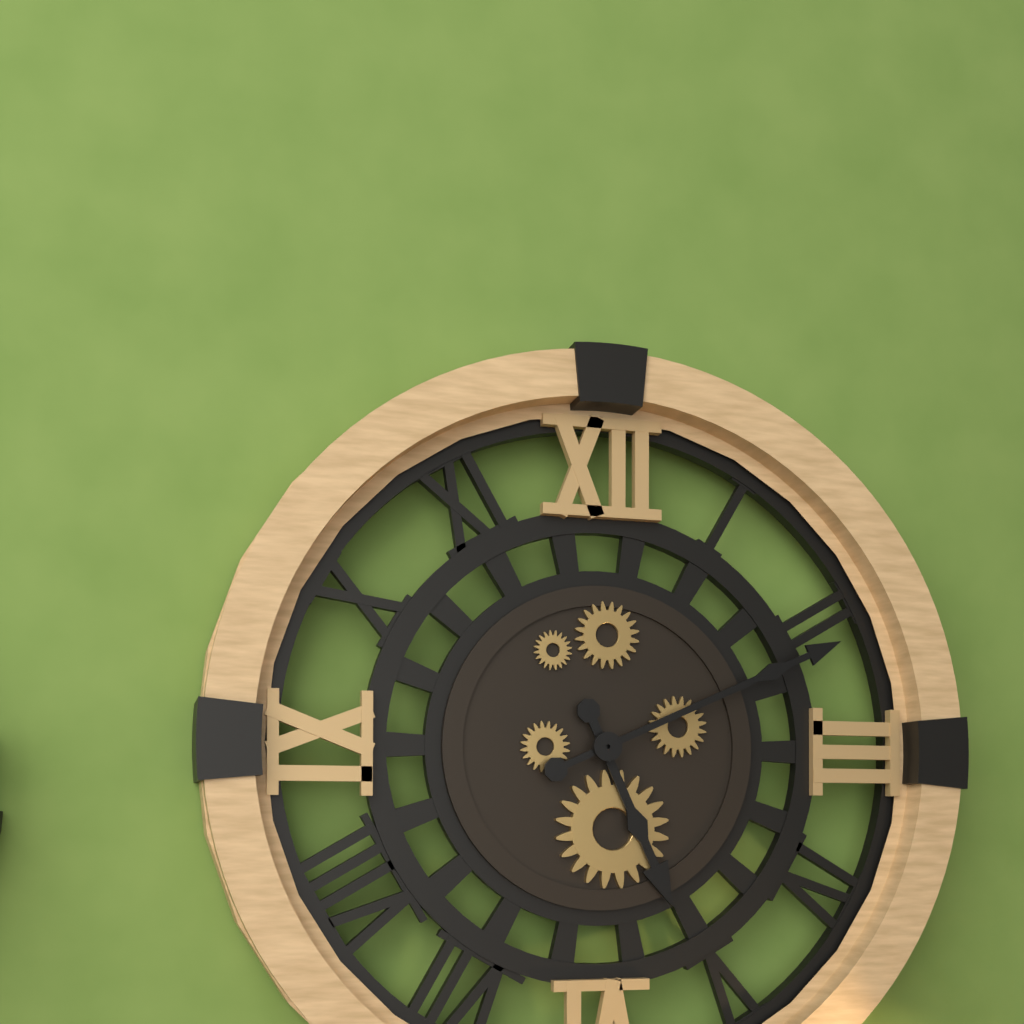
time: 5:11
